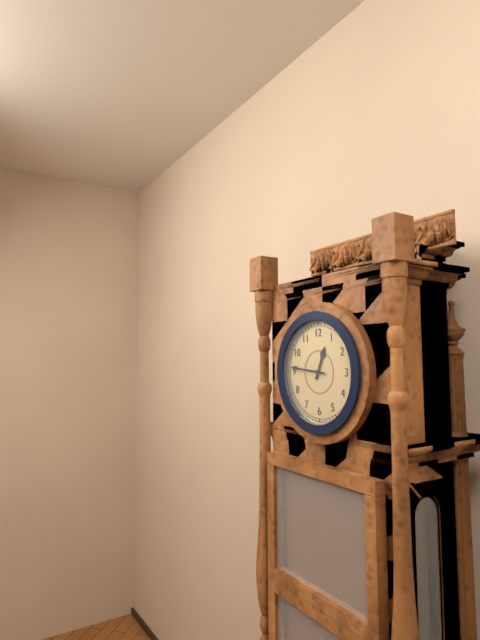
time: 12:46
